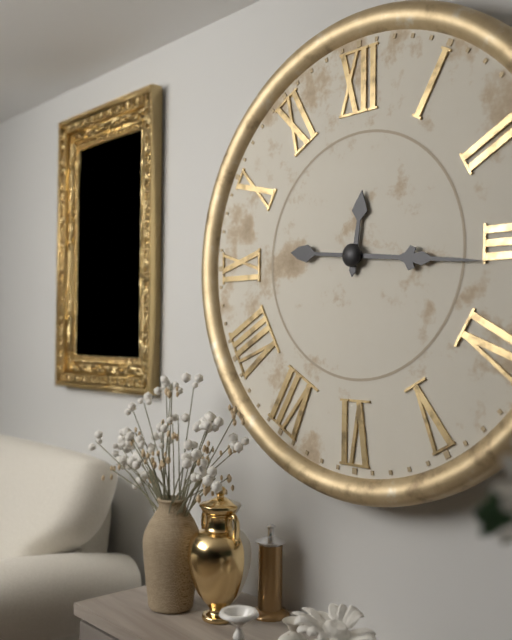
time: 12:16
